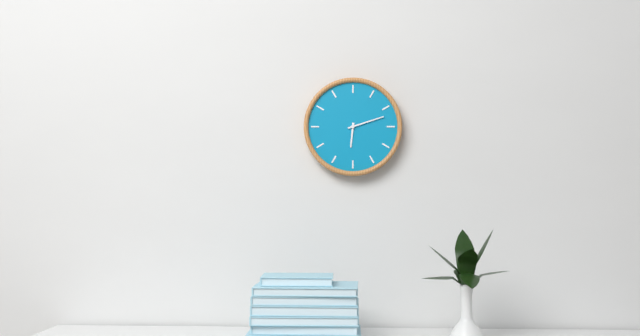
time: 6:12
